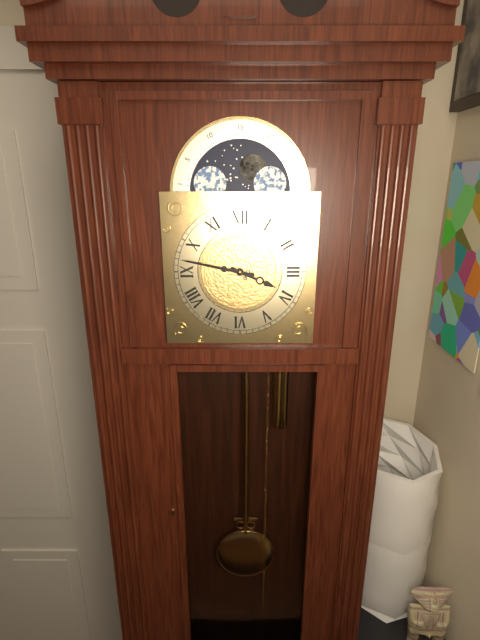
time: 3:47
